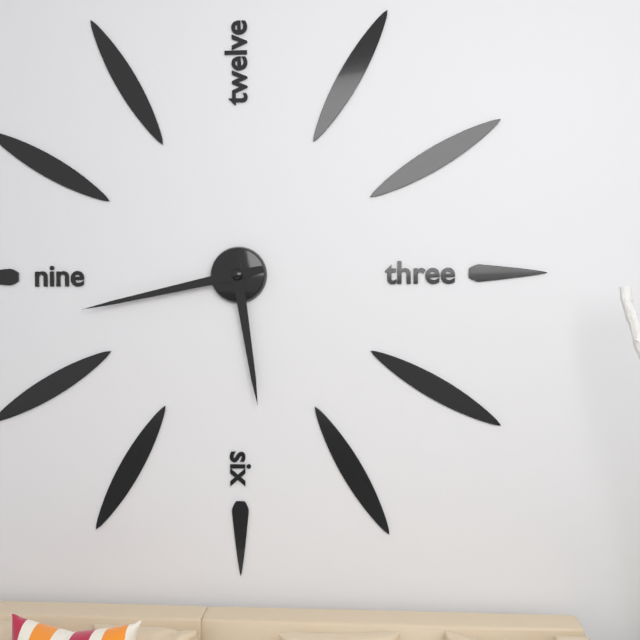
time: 5:43
